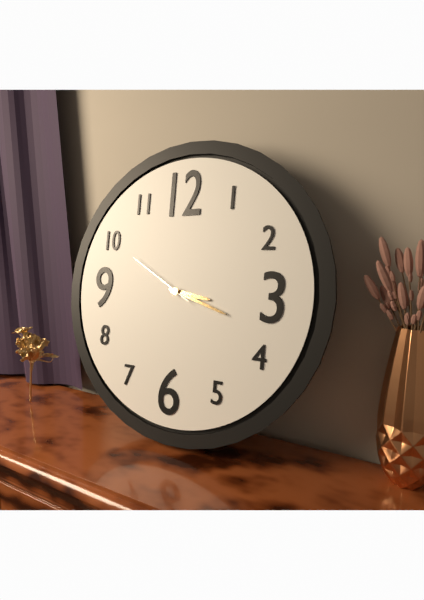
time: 3:18:50
